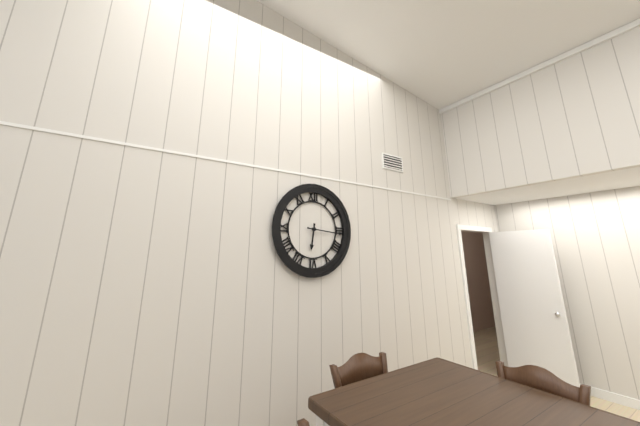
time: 6:16
